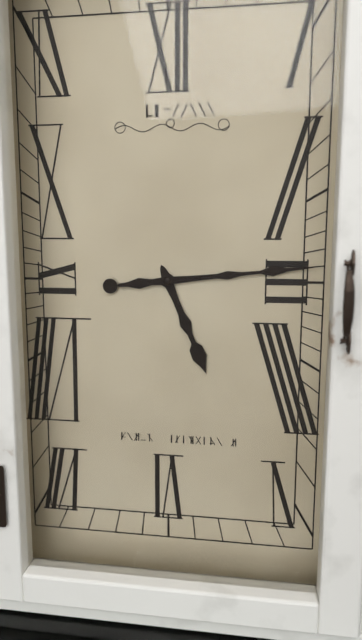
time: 5:14
